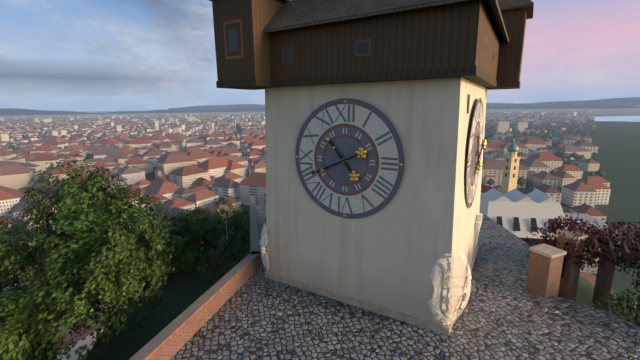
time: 10:41
